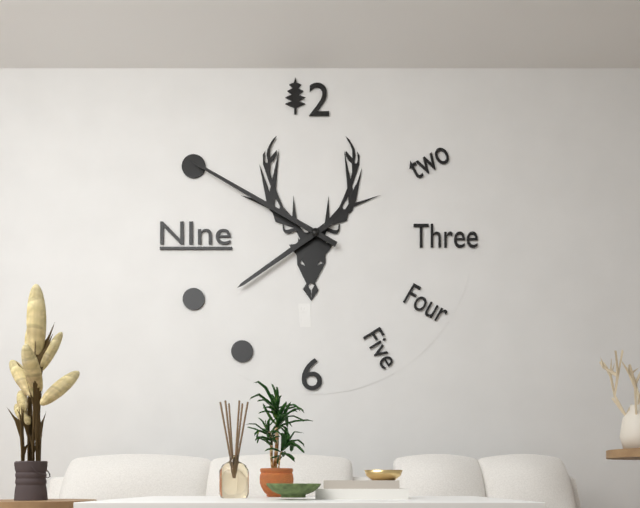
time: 7:50
